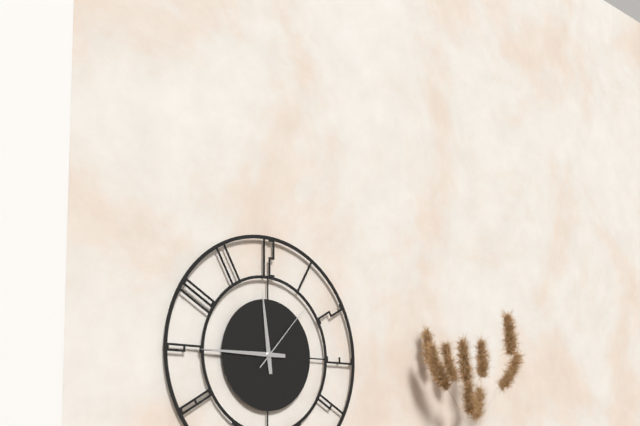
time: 11:45:07
